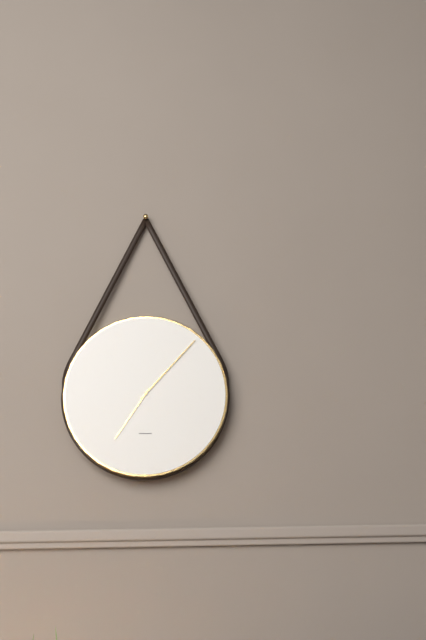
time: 7:07
